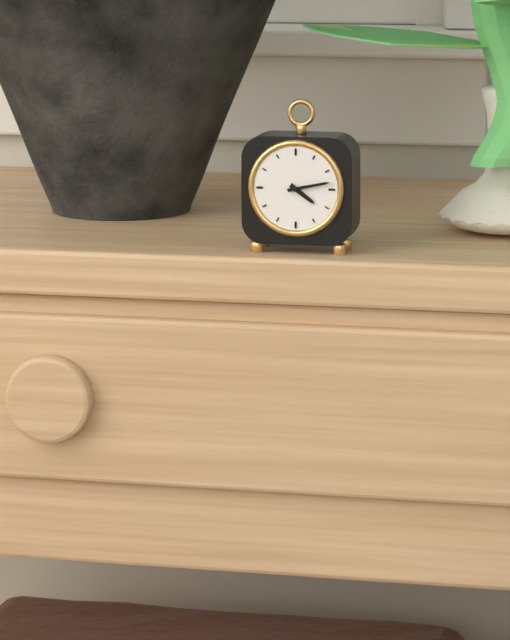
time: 4:13
